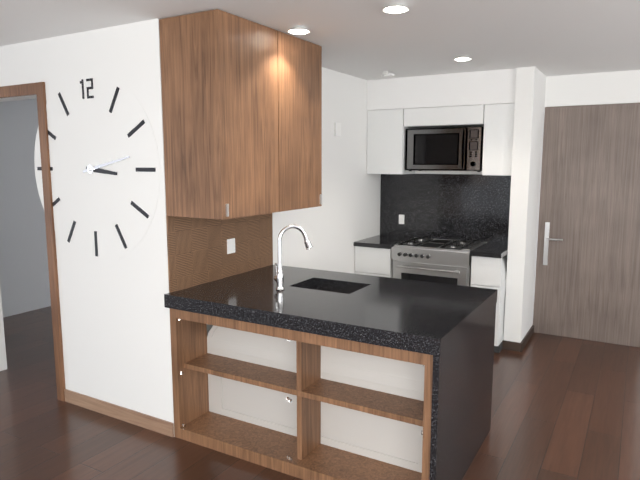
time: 3:13
